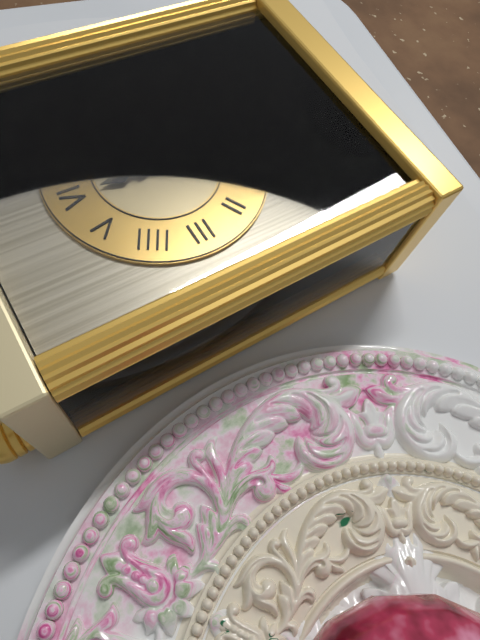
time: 5:58
